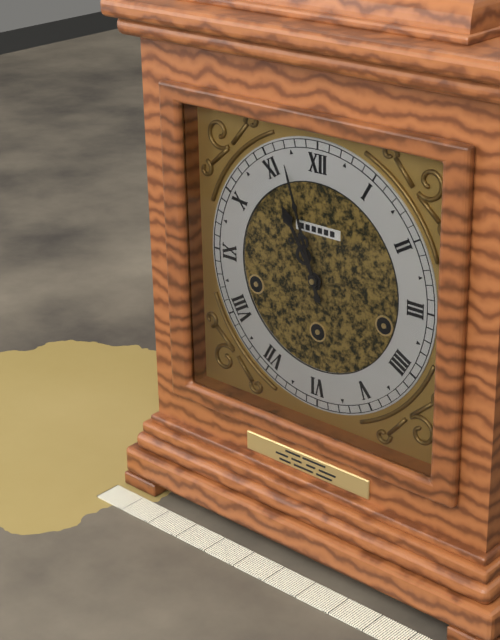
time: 10:57
